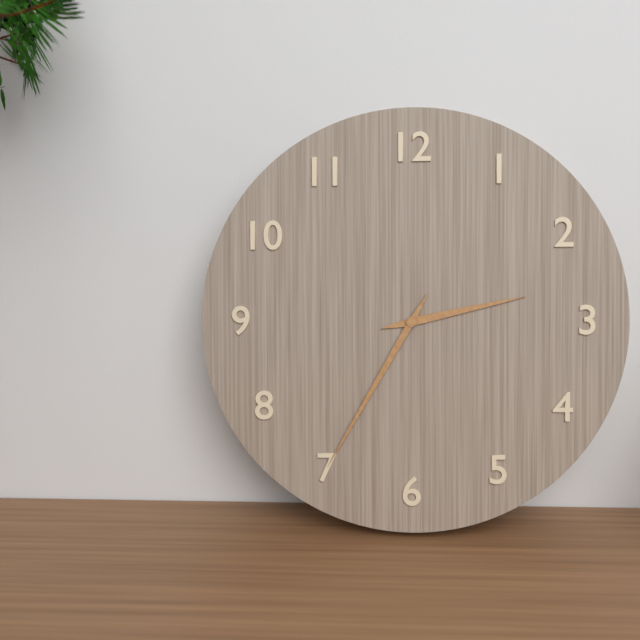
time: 2:35
